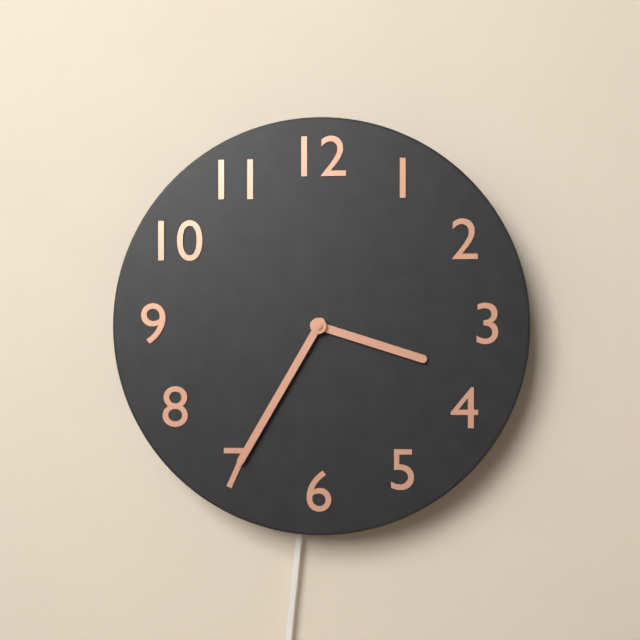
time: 3:35
